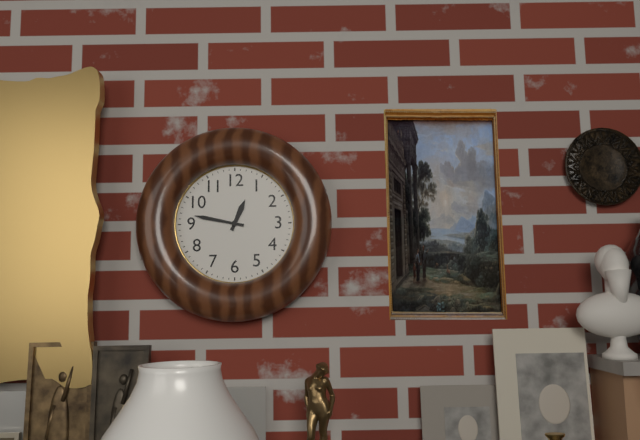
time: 12:47
